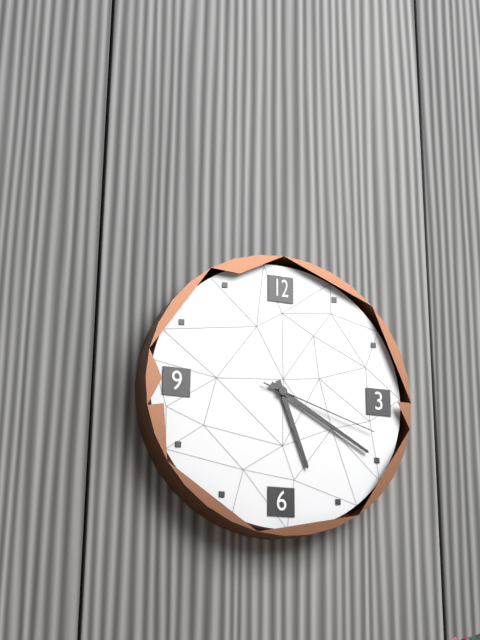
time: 5:20:18
